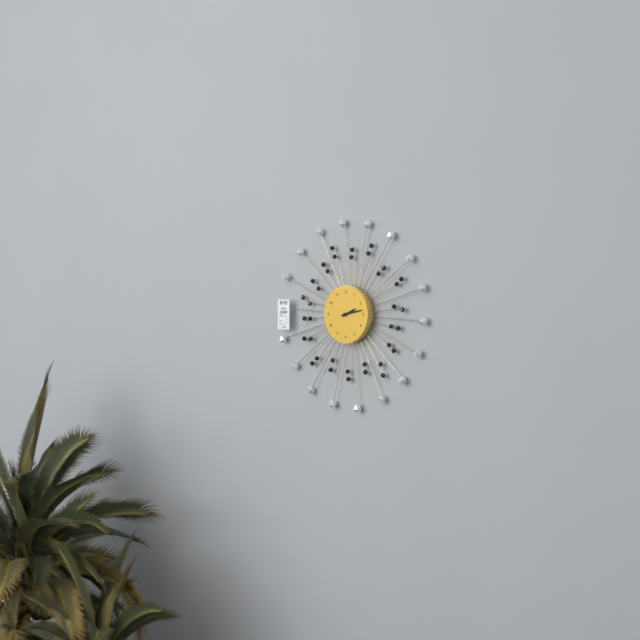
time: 2:13
